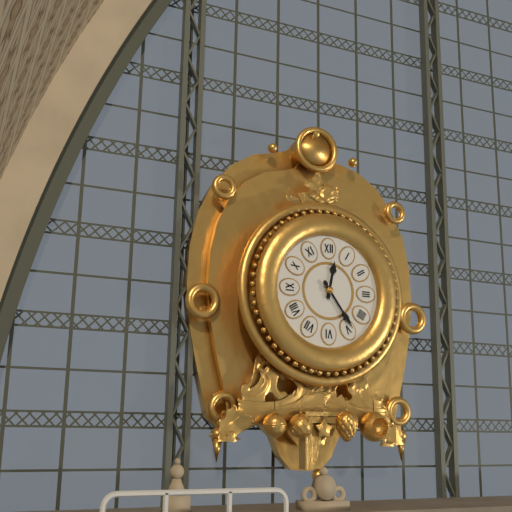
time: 12:24
